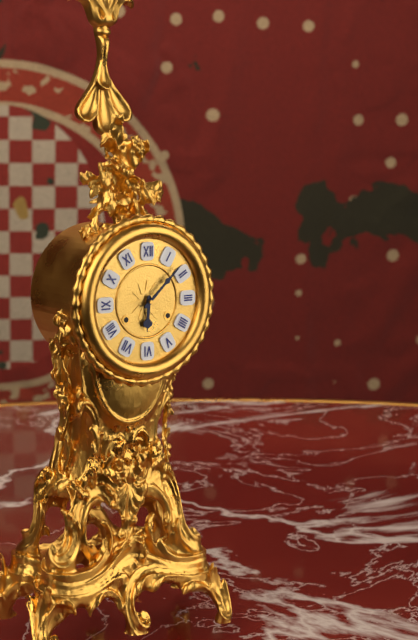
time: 6:08
